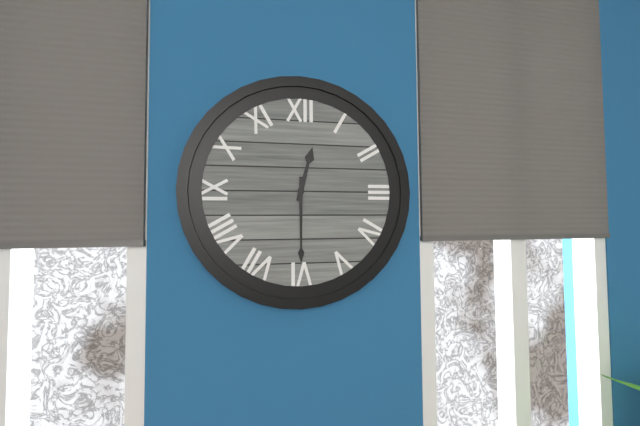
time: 12:30
